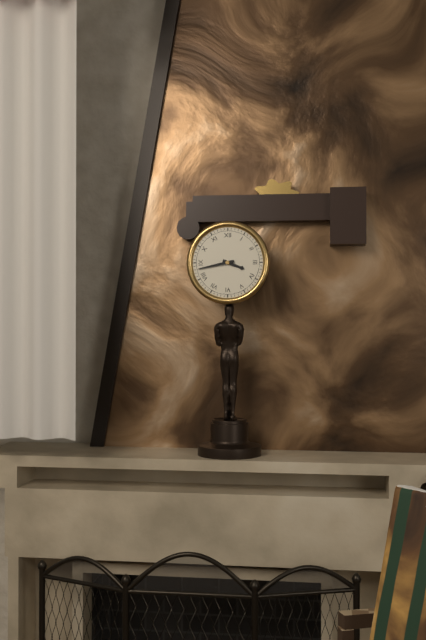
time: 3:43
